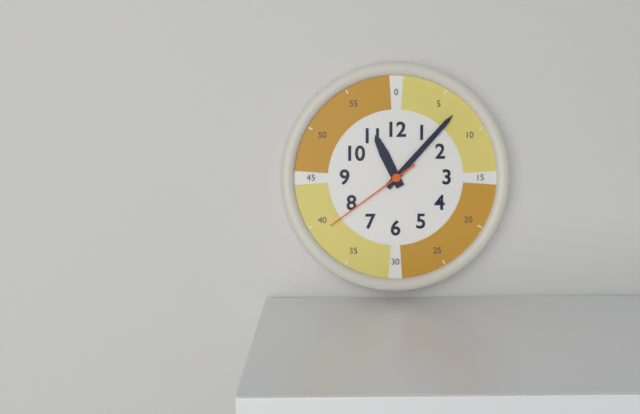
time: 11:07:39
